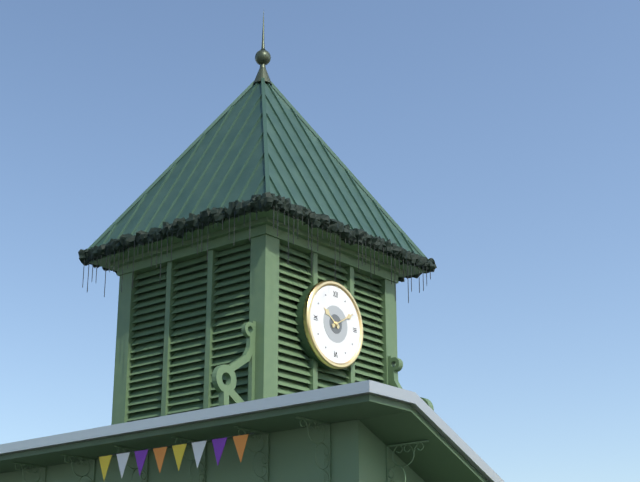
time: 10:10
